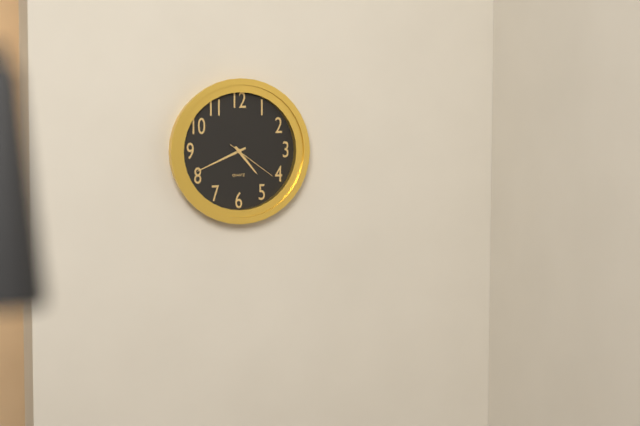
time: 4:41:21
